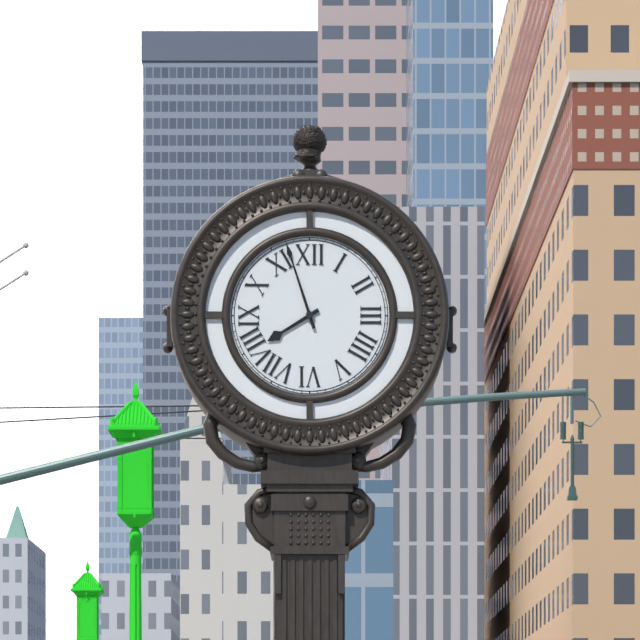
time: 7:57
